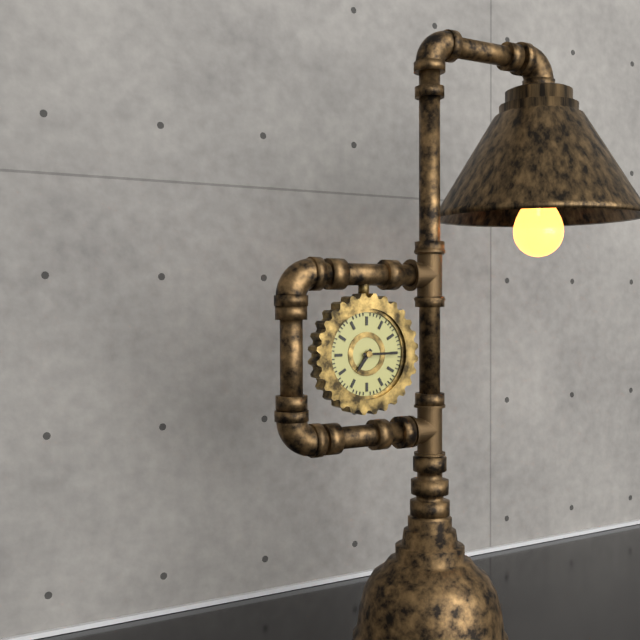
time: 7:15
